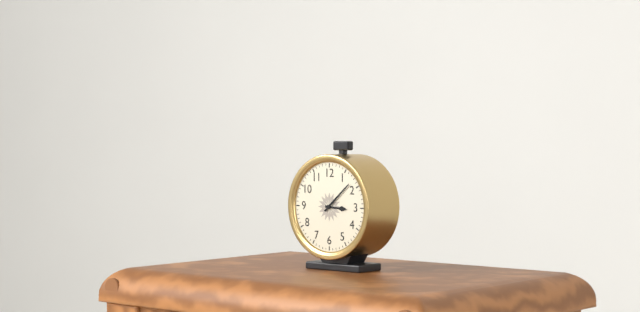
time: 3:08
